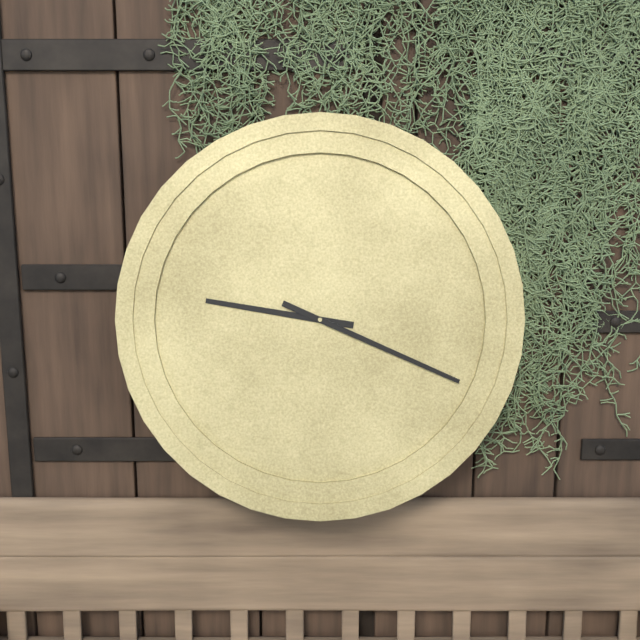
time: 9:19
